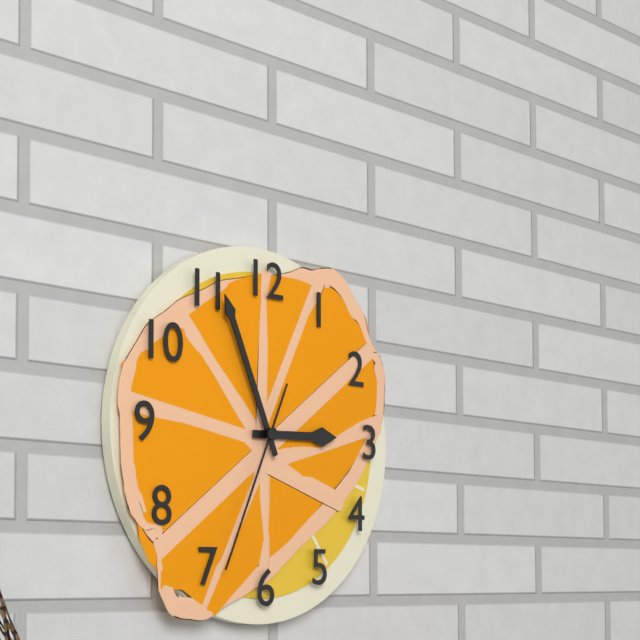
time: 2:56:34
